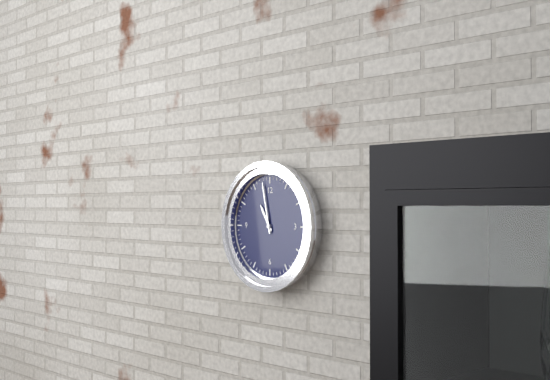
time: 10:58
